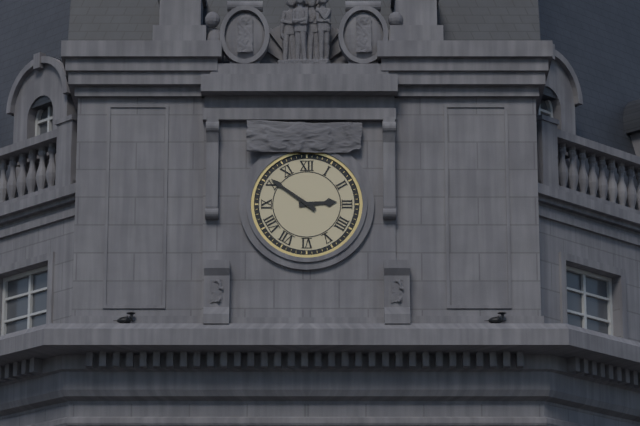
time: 2:51
